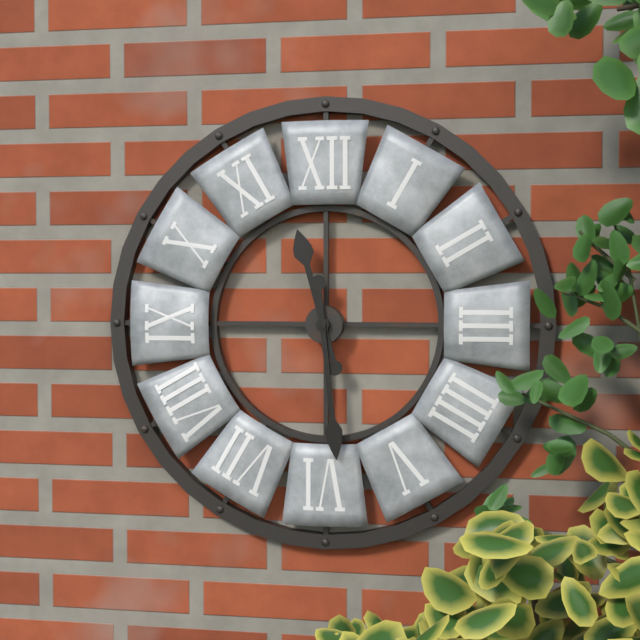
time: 11:29
